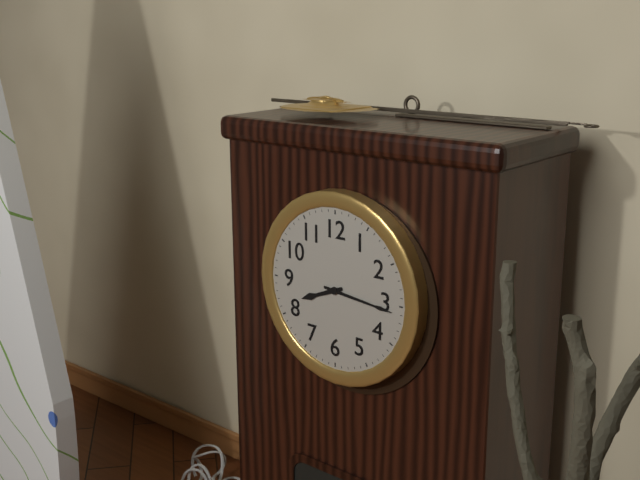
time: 8:16
